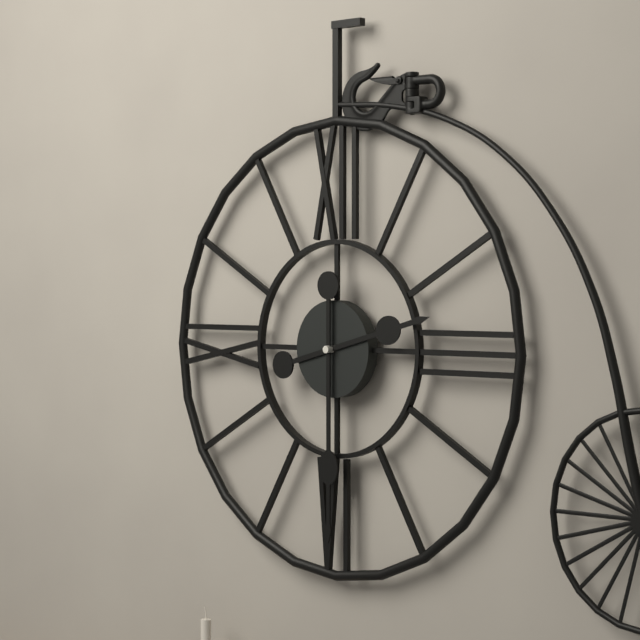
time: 2:30
